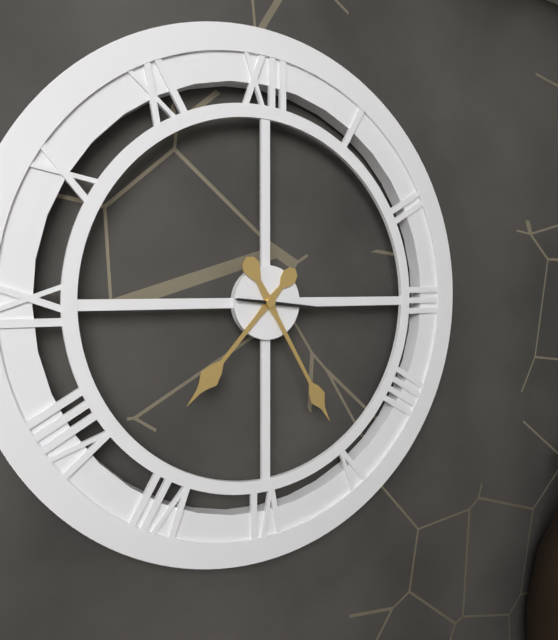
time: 7:25:16
